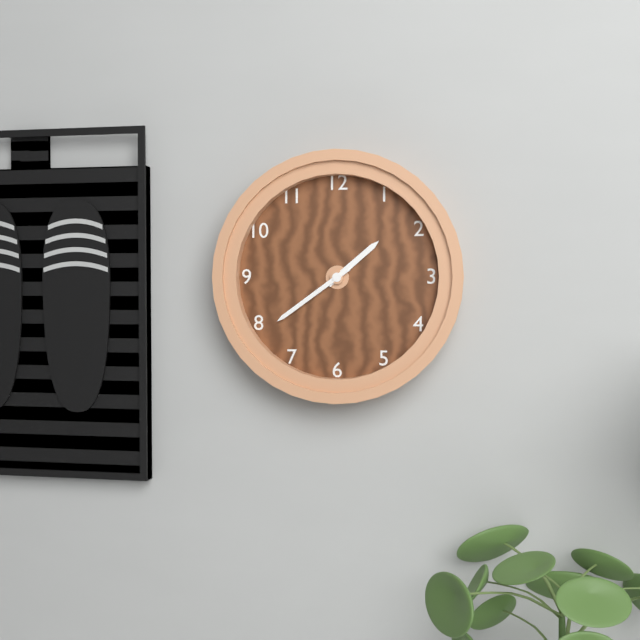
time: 1:39
